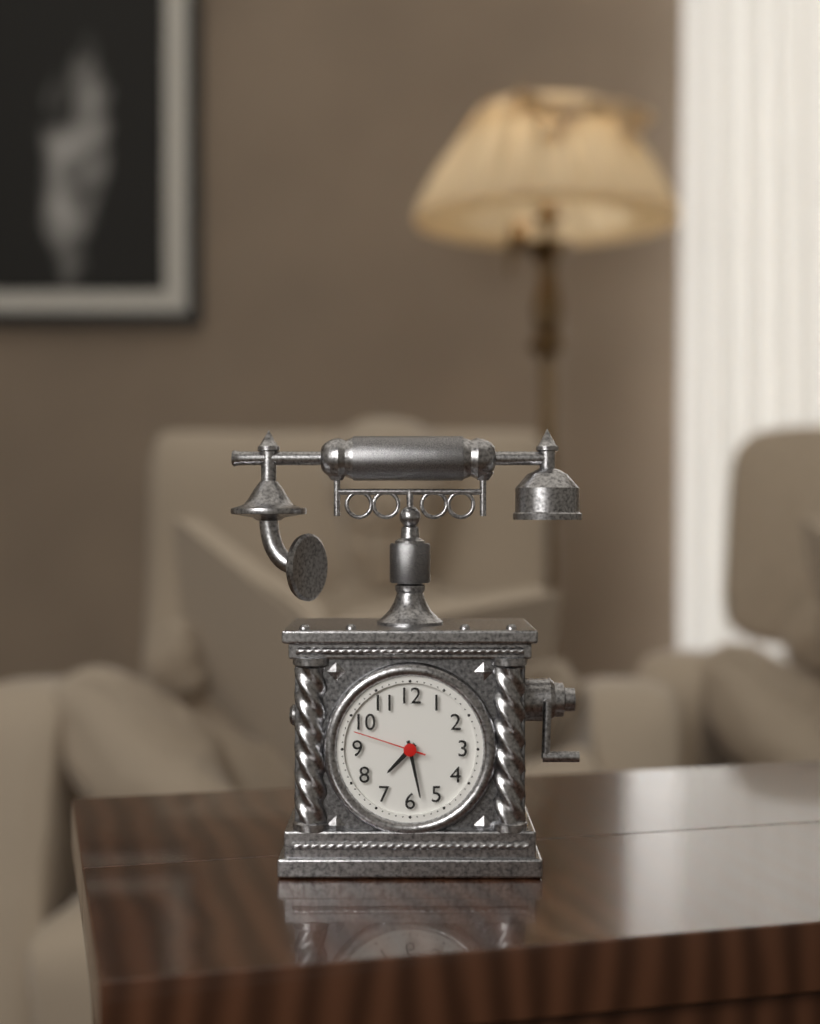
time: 7:28:48
